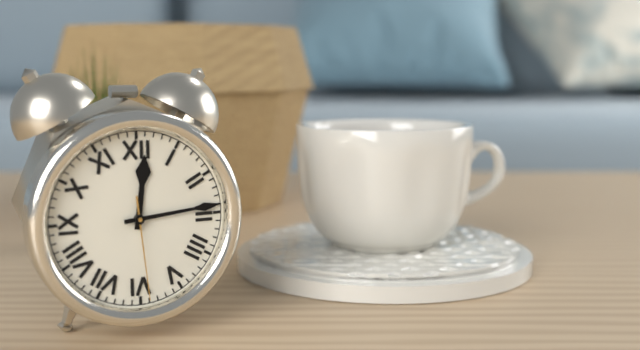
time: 12:14:29
